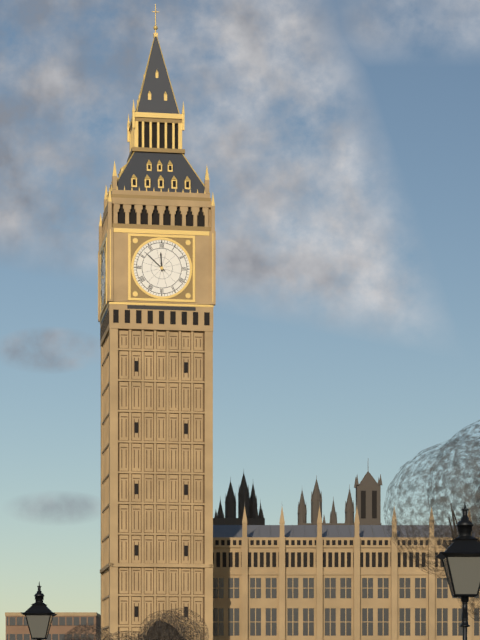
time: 11:52
